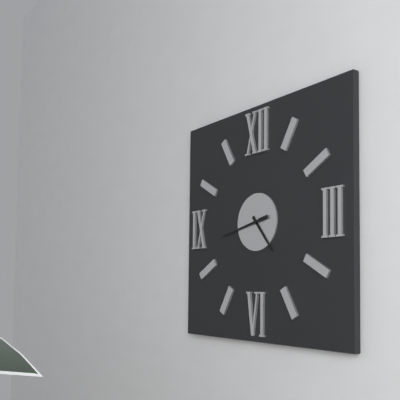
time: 4:43
